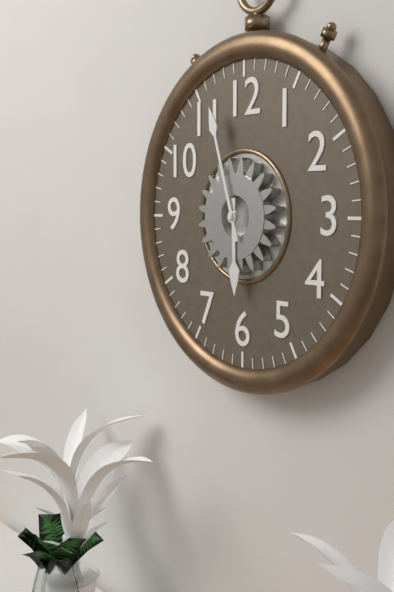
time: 5:57
